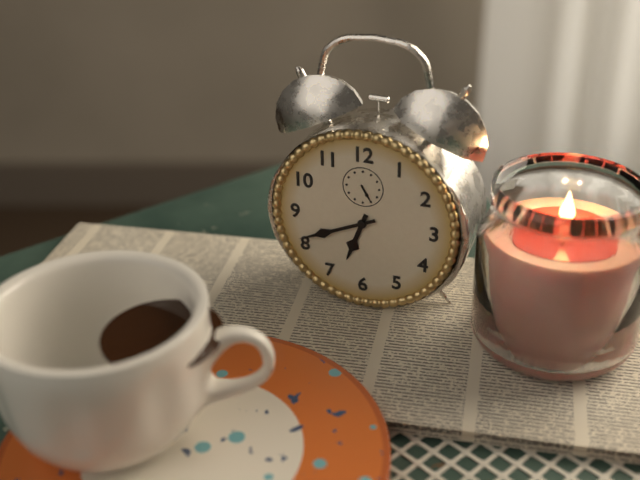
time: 6:41
